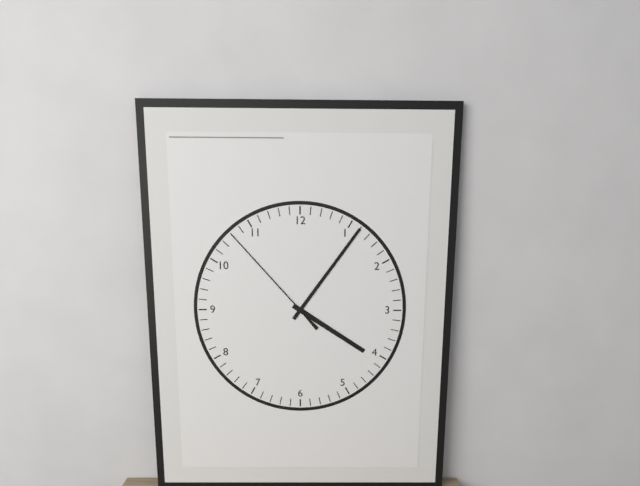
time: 4:06:53
